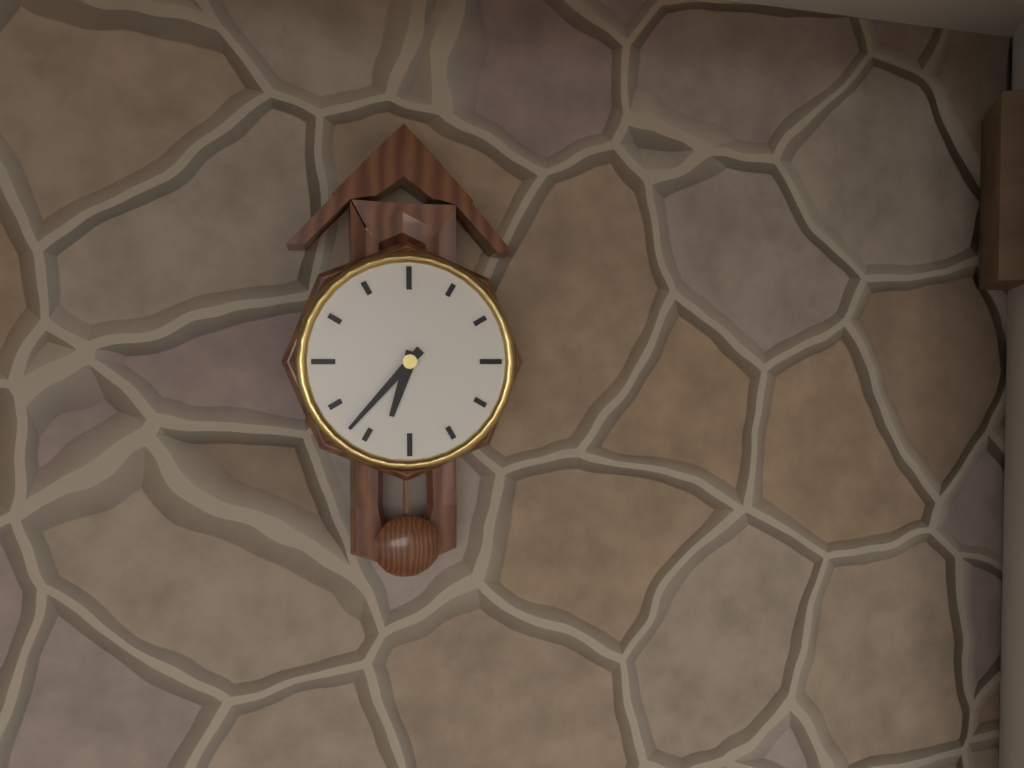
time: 6:37
